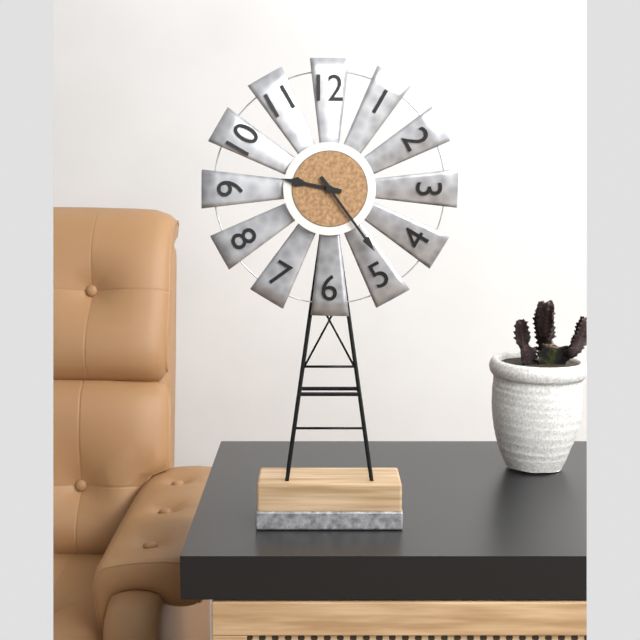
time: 9:24
